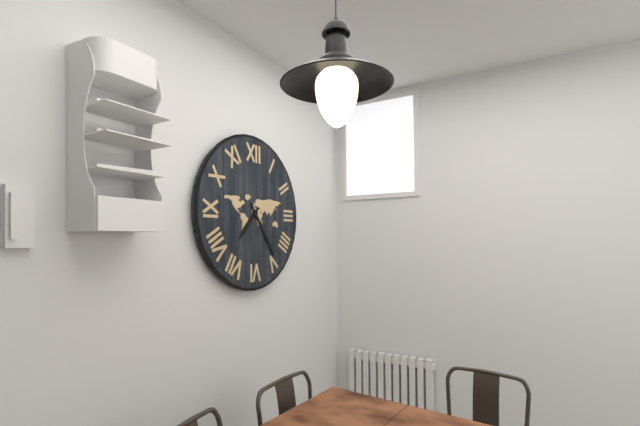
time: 7:24
